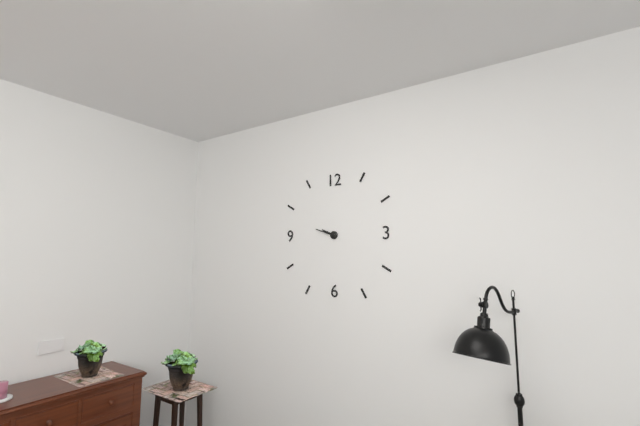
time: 9:48
